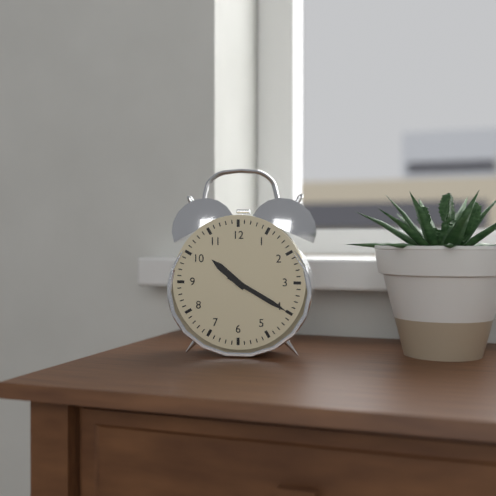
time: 10:20
